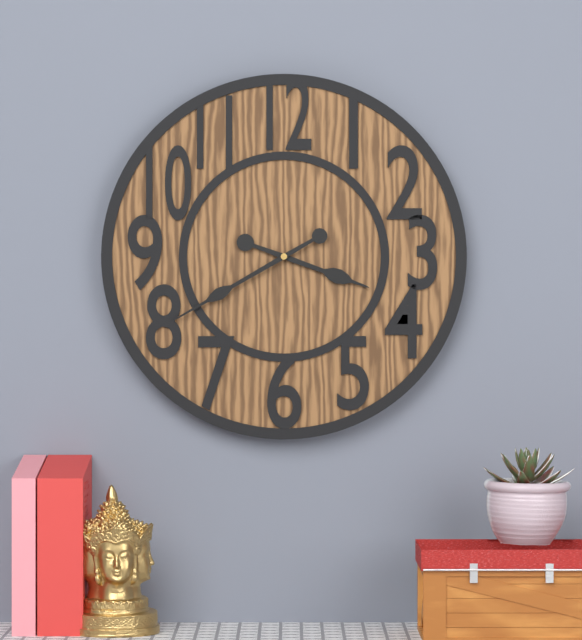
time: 3:40
